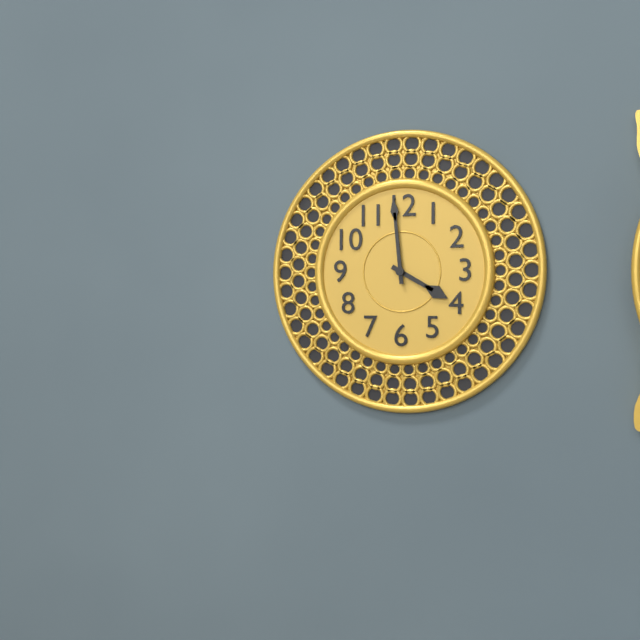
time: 3:59
